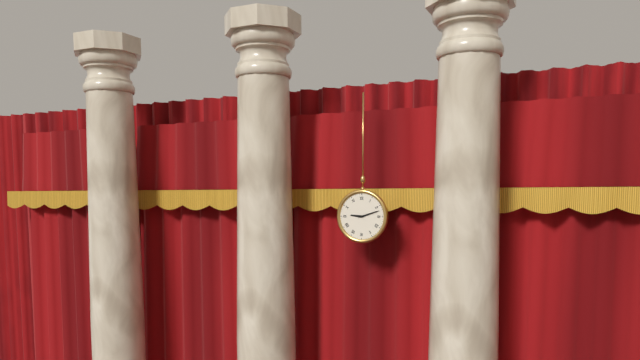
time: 9:12
